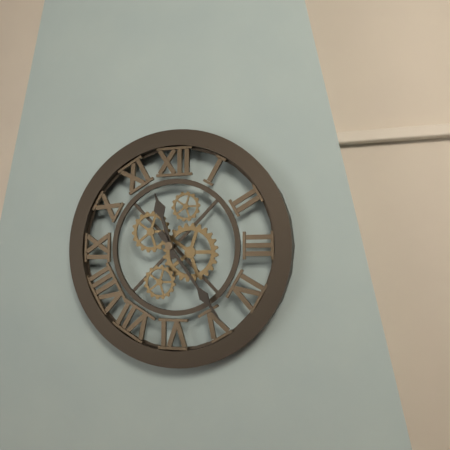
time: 11:24
